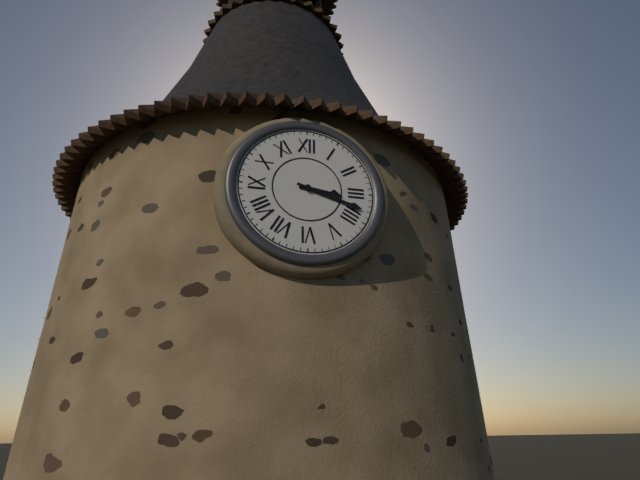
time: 3:18
